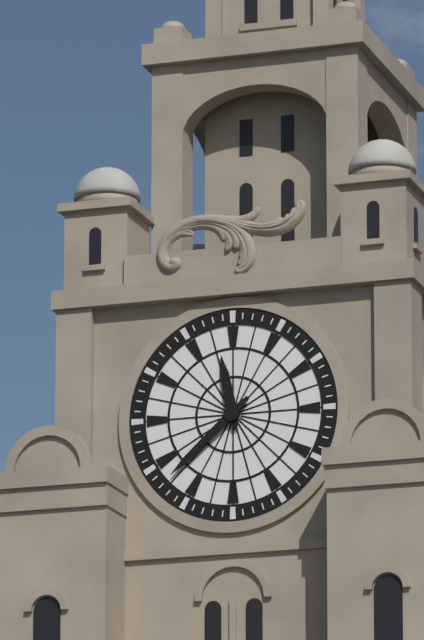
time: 11:38
